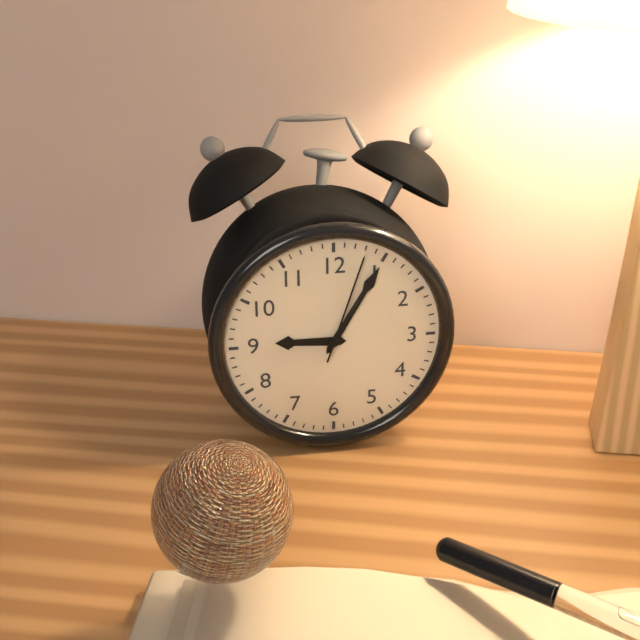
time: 9:05:03
